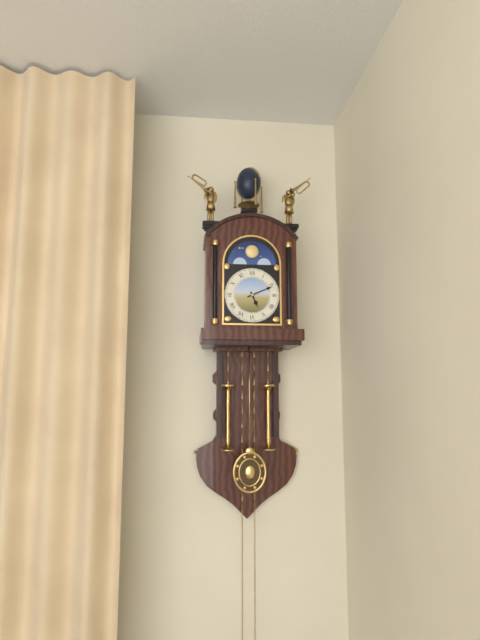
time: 5:11
